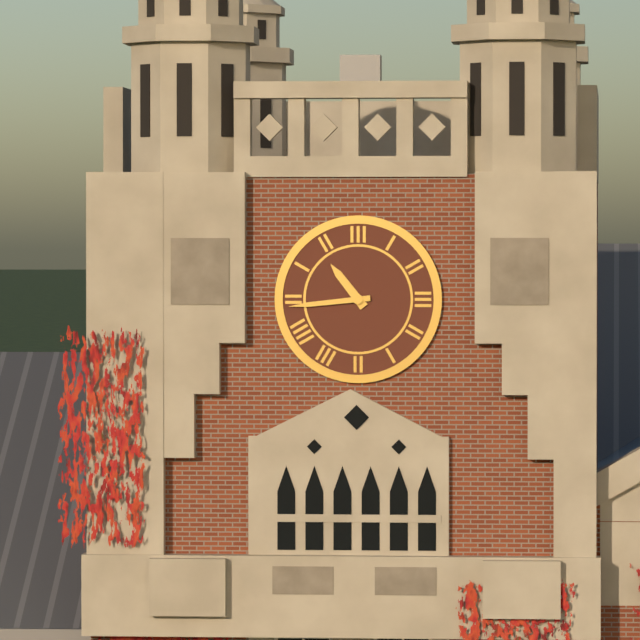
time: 10:44
